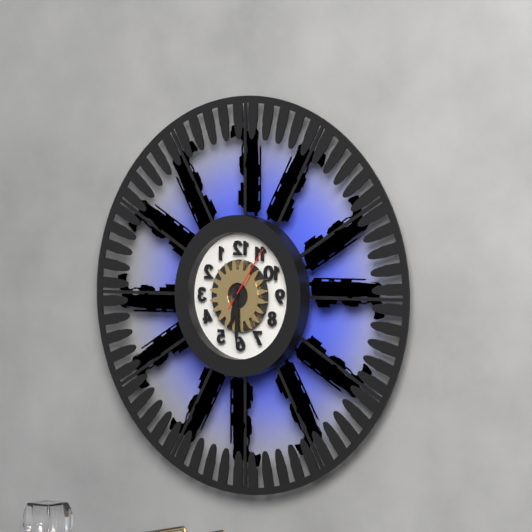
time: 6:30:06
